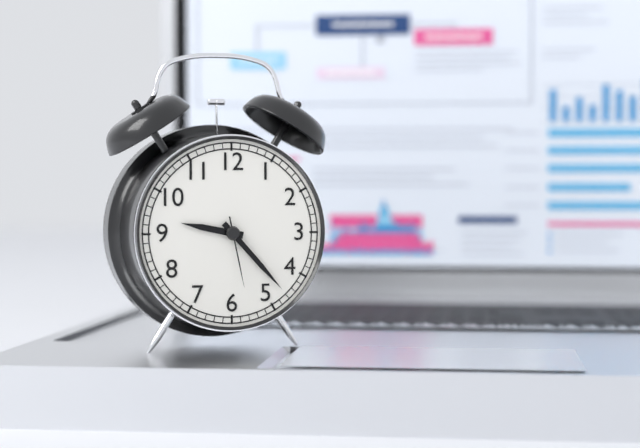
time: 9:23:28
